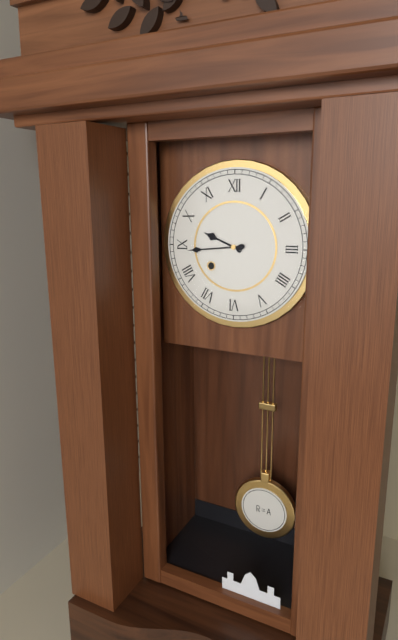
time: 9:44
